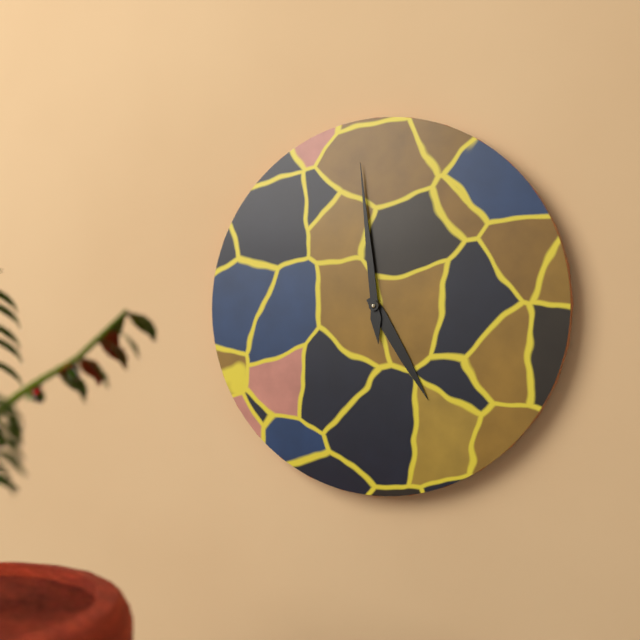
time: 4:59
